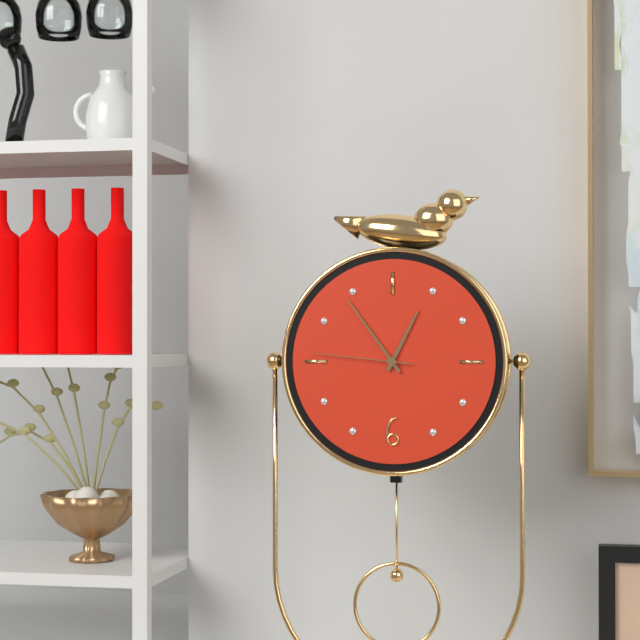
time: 12:54:46
